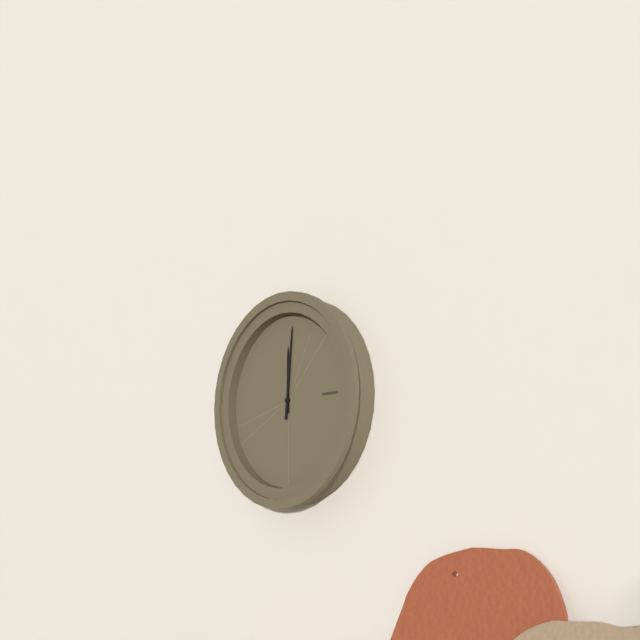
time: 12:01
